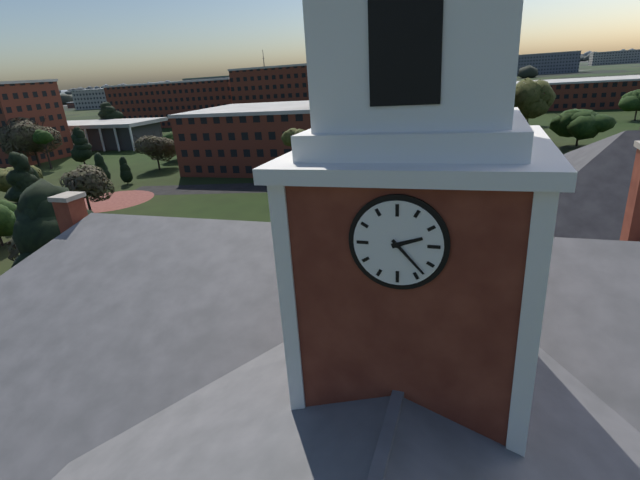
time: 2:23
